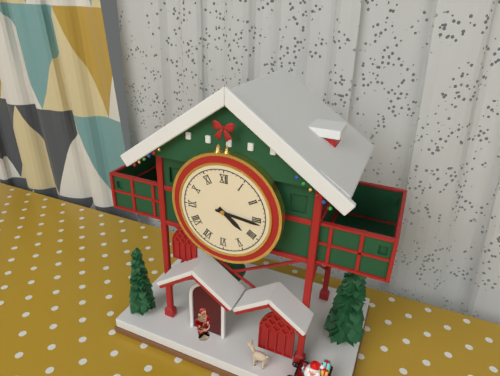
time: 4:16
